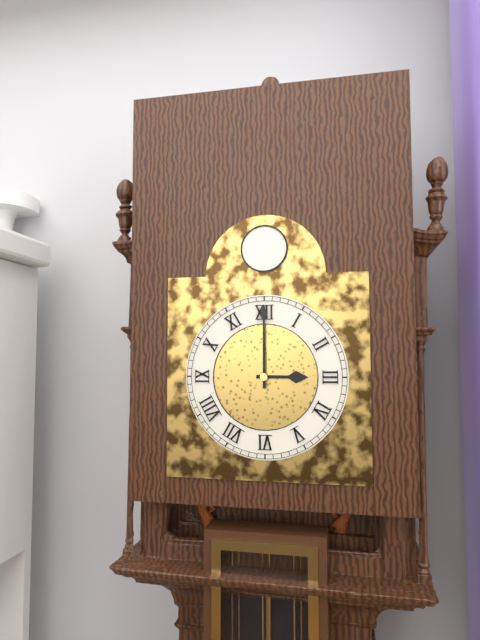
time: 3:00
